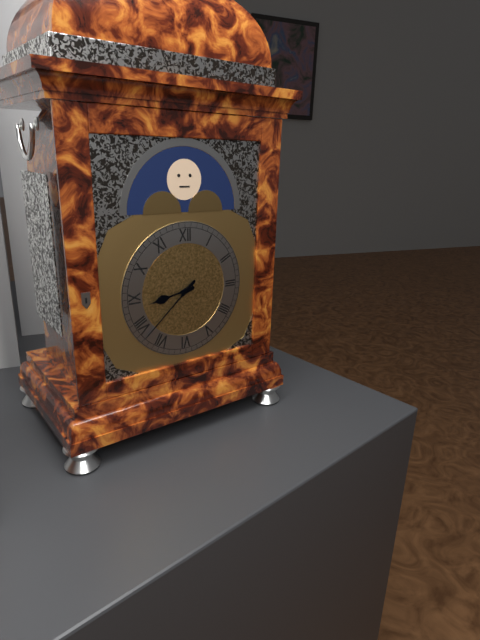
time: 8:38
